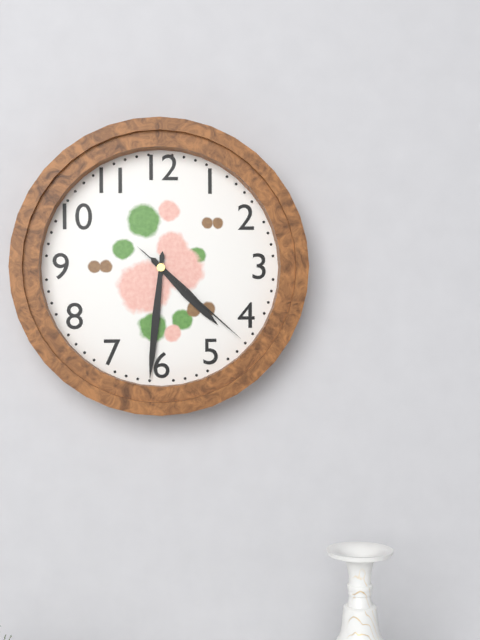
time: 4:31:22
